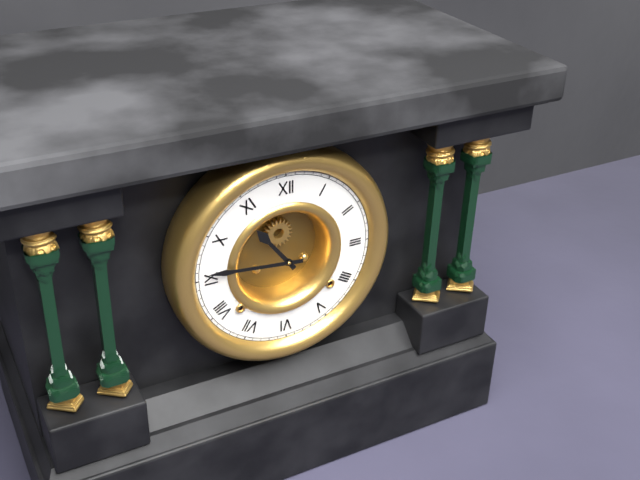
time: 10:46
